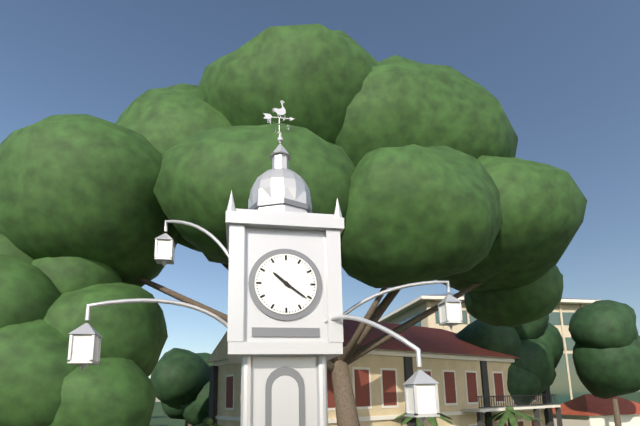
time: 10:21
